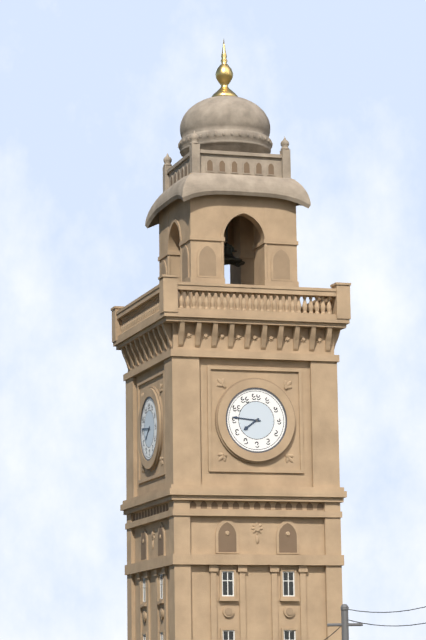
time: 7:46
